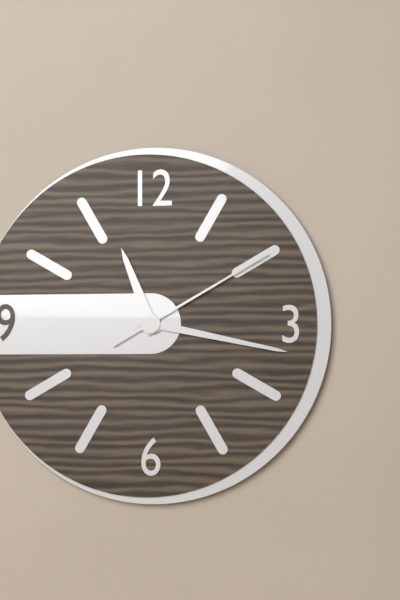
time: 11:17:10
